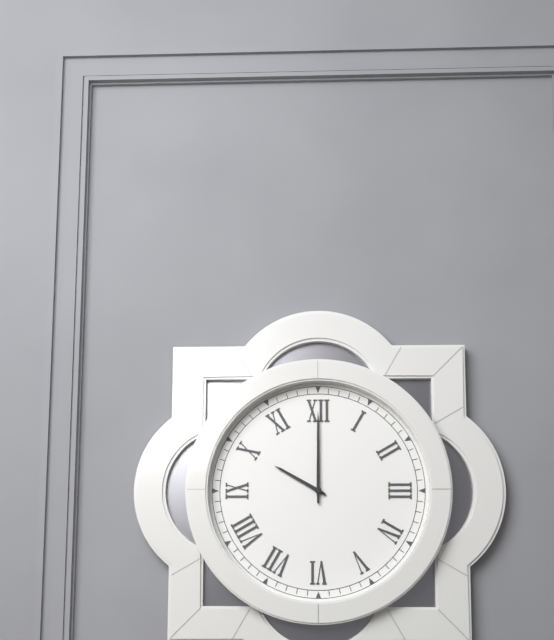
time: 10:00
